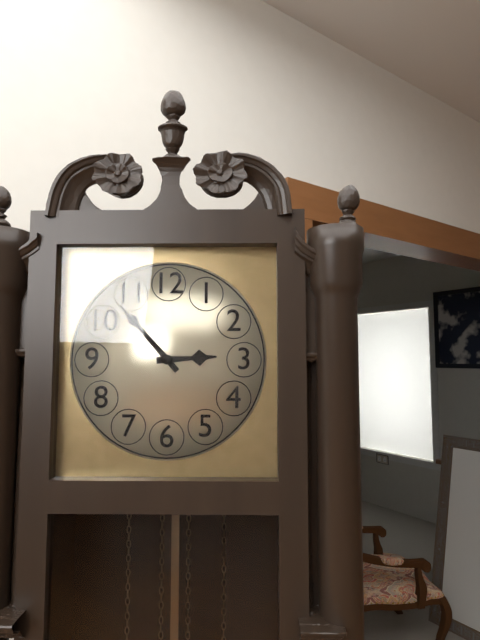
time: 2:53
